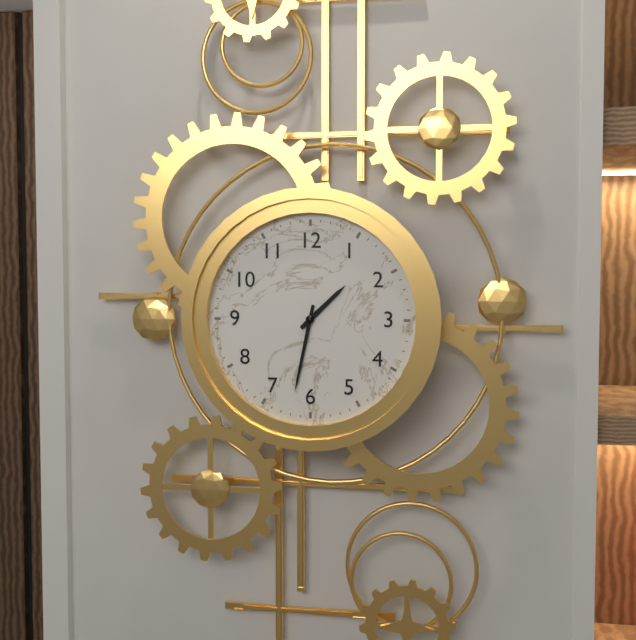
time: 1:32
